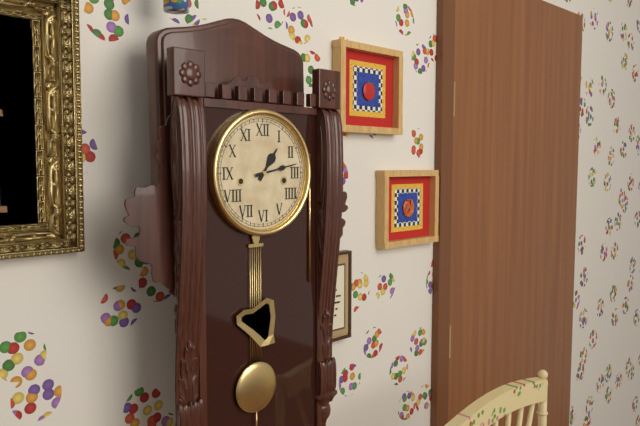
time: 1:13
